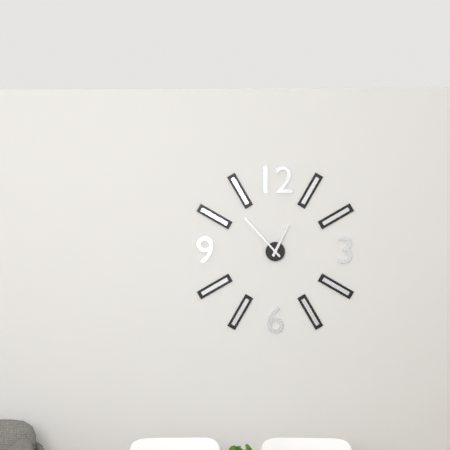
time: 12:53
